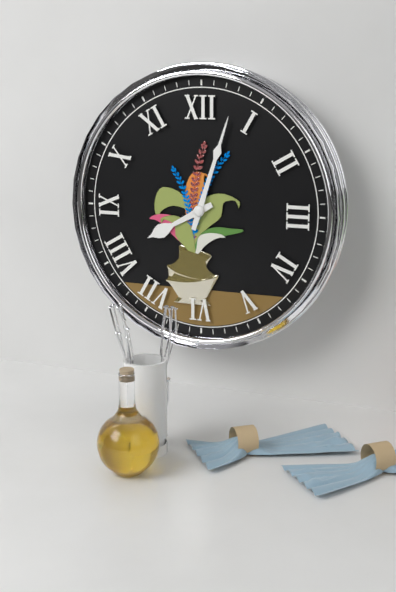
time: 8:03
